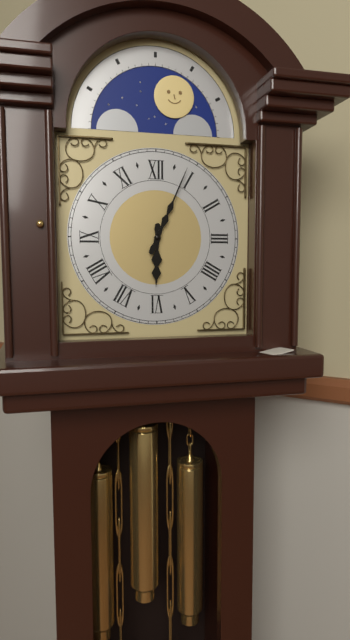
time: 6:04
